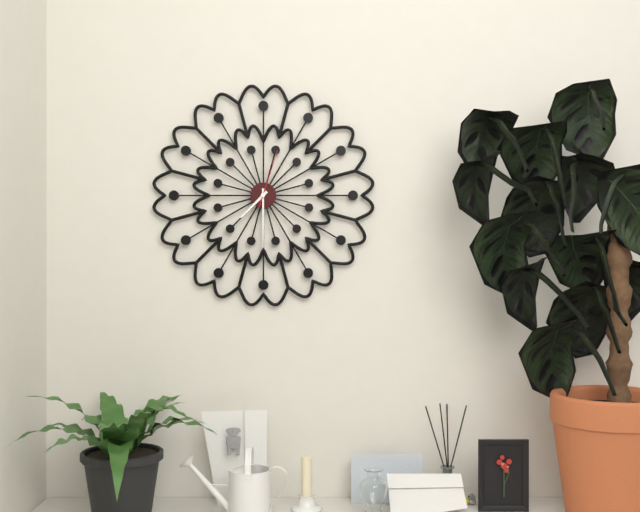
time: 7:30:03
